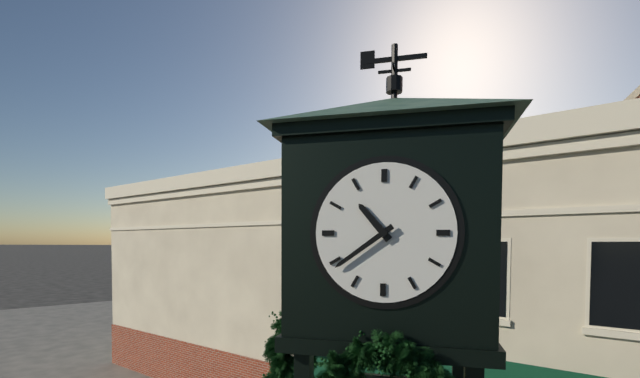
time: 10:39
